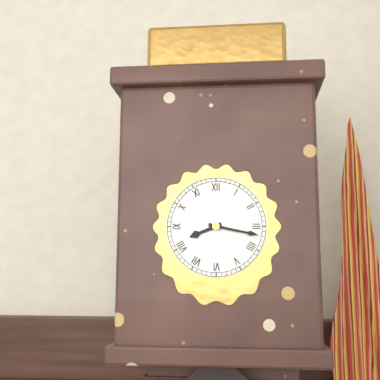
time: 8:17
